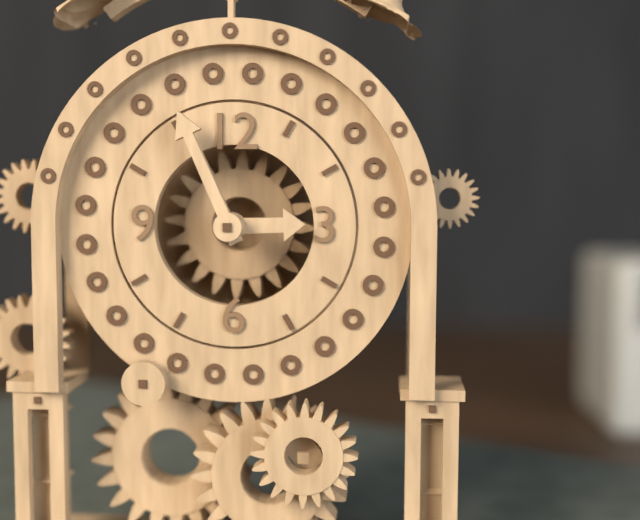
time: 2:56
